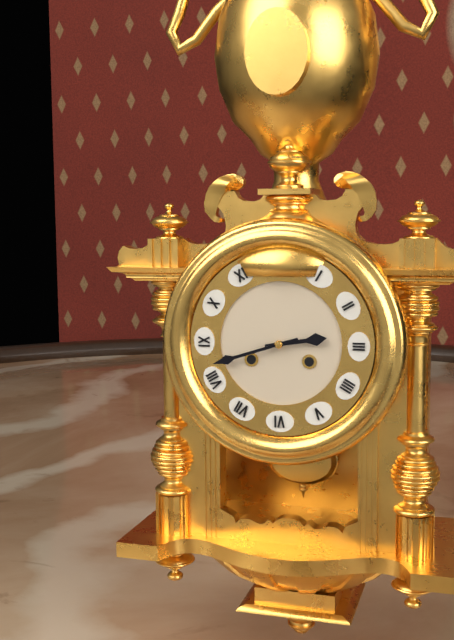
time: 2:42
